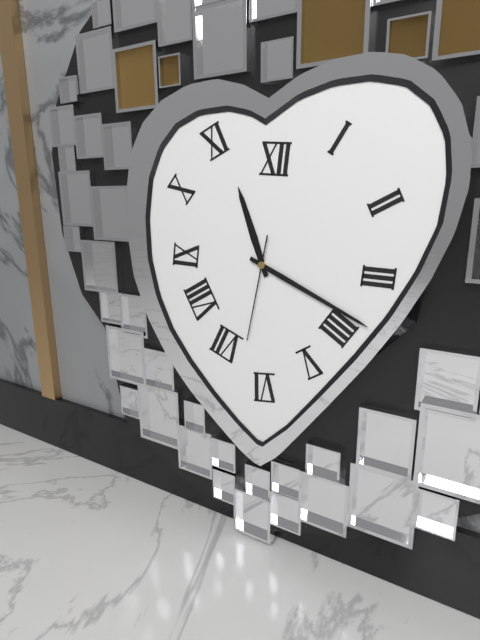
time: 11:19:32
